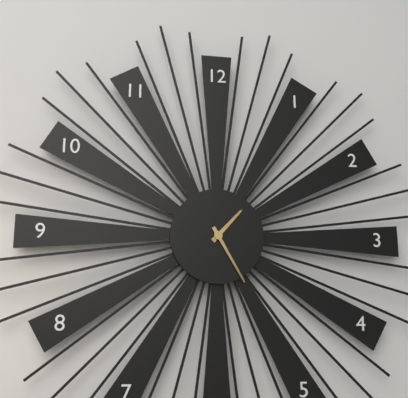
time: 1:25
